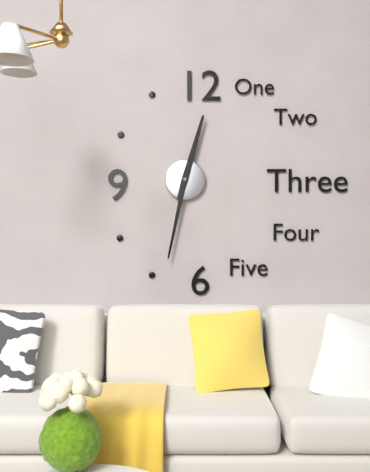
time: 12:32
